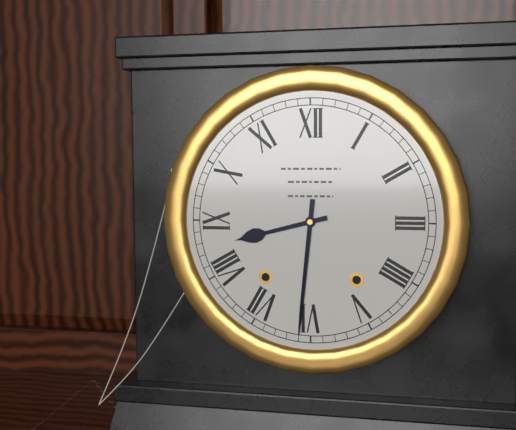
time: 8:31
